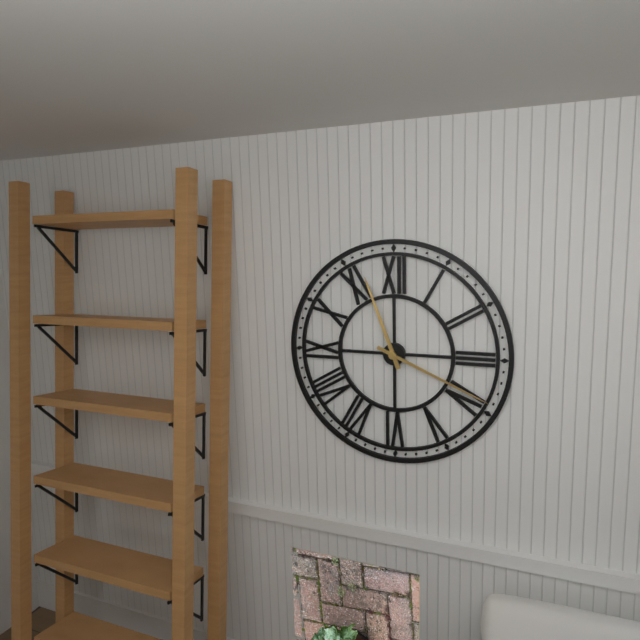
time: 11:19
